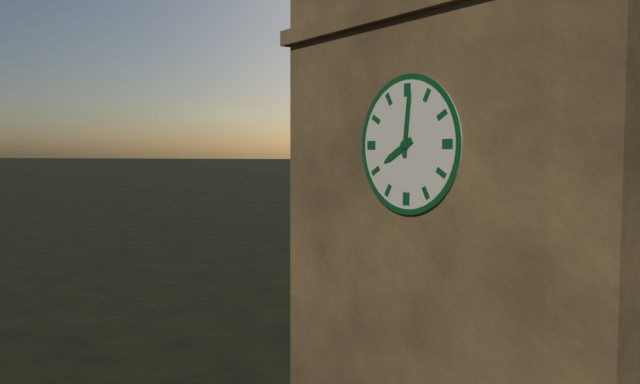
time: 8:01
